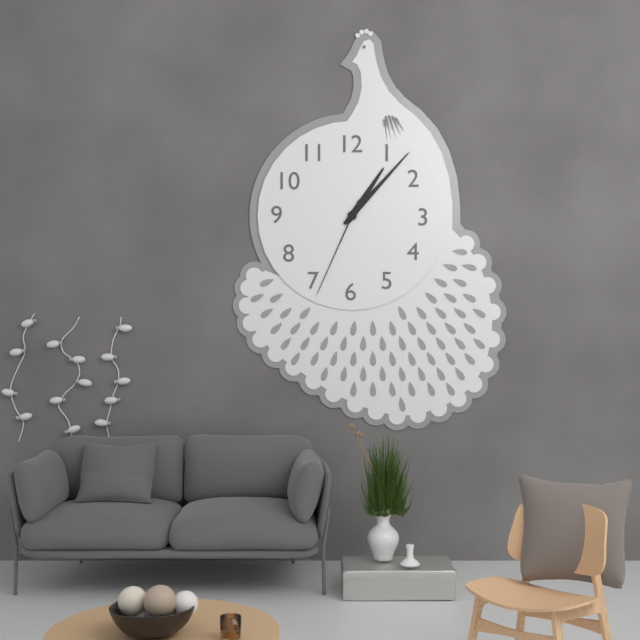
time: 1:07:34
